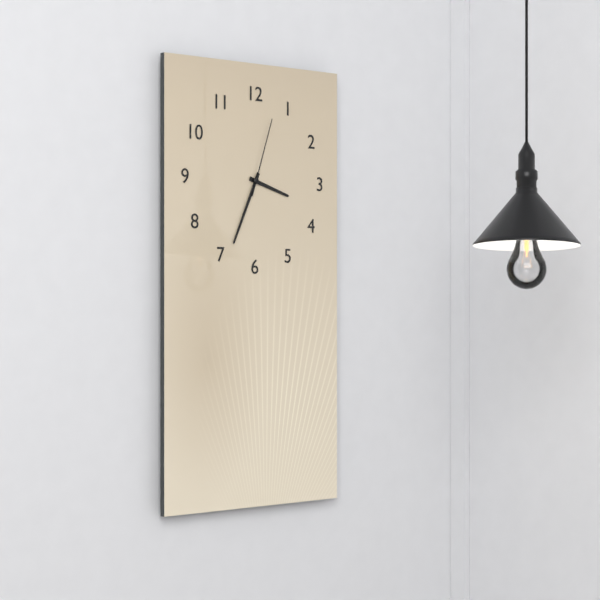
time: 3:34:03
